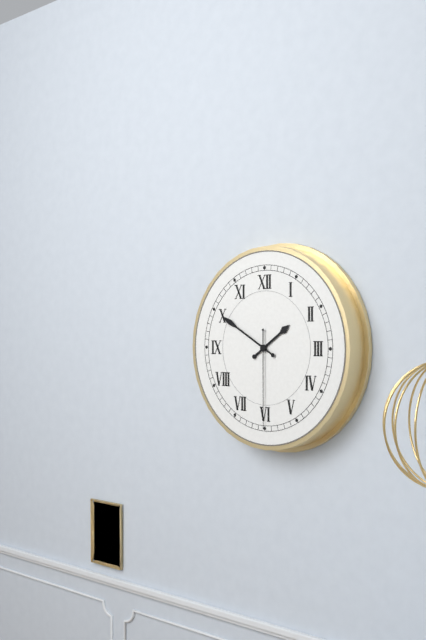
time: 1:50:30
